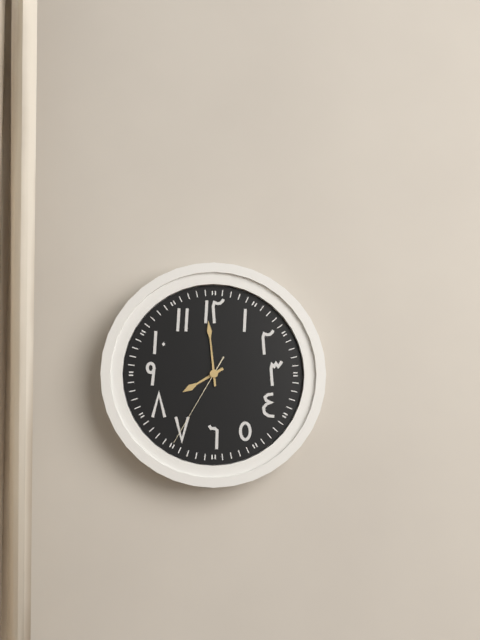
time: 7:59:35
